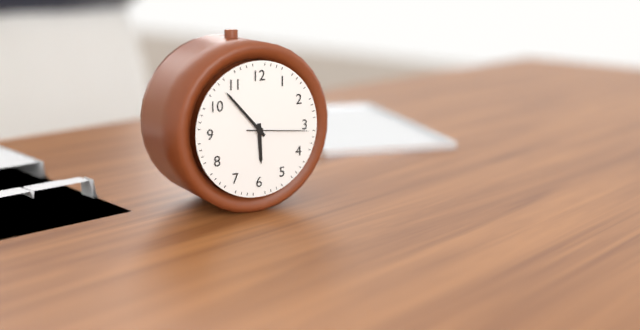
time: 5:53:16
